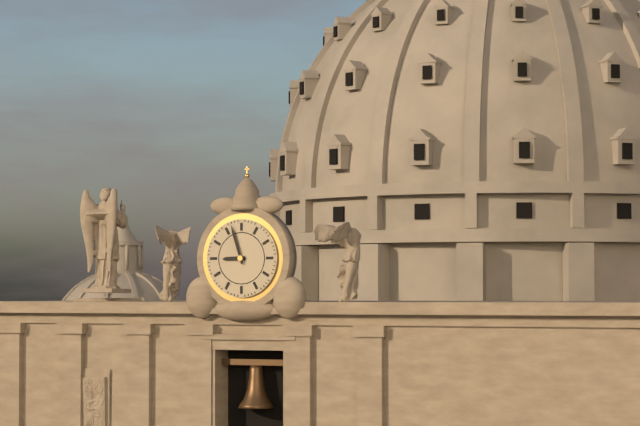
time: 8:57
